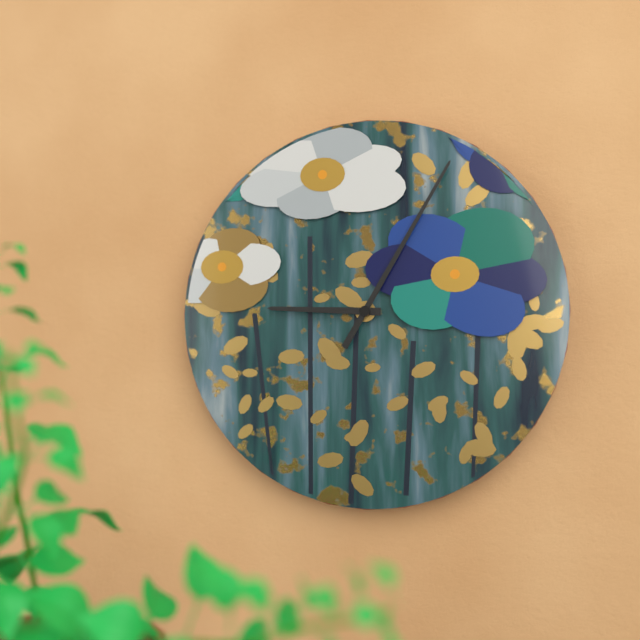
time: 9:05
